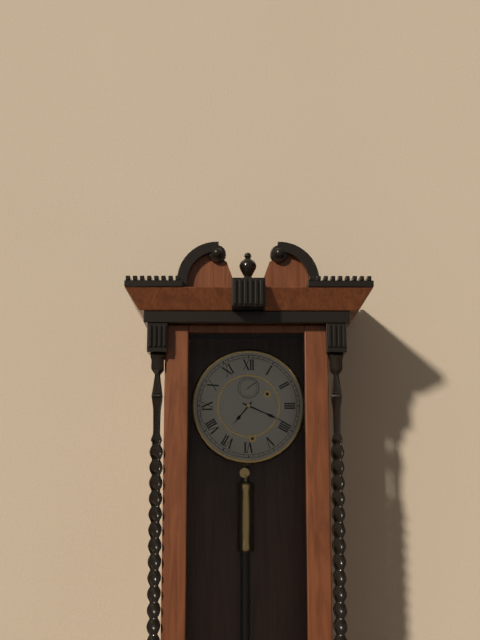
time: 7:19
